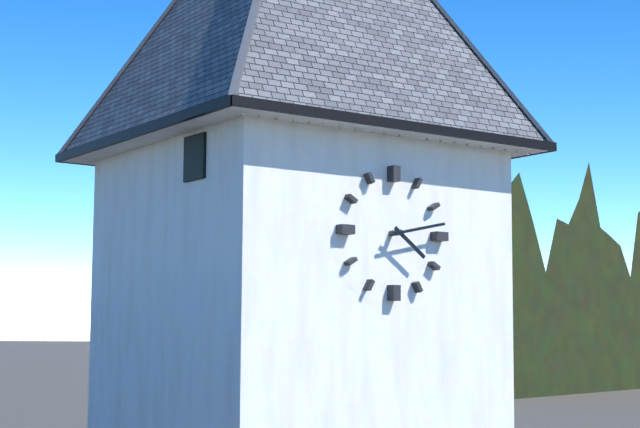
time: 4:13
